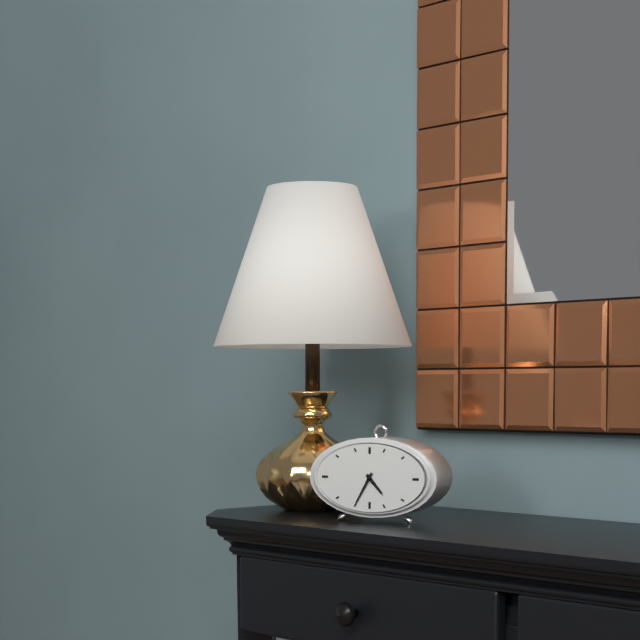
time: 4:35
